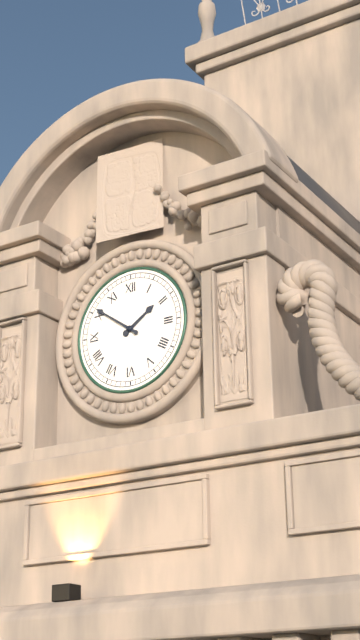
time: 1:51
